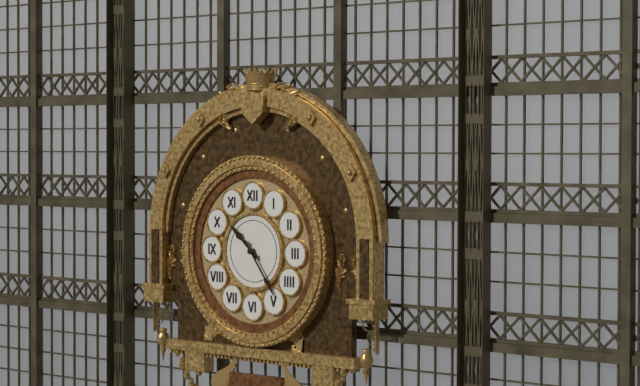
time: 10:24
